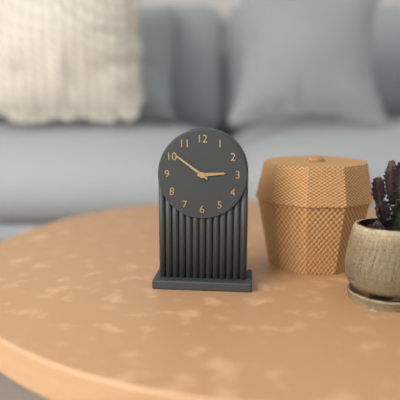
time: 2:51
